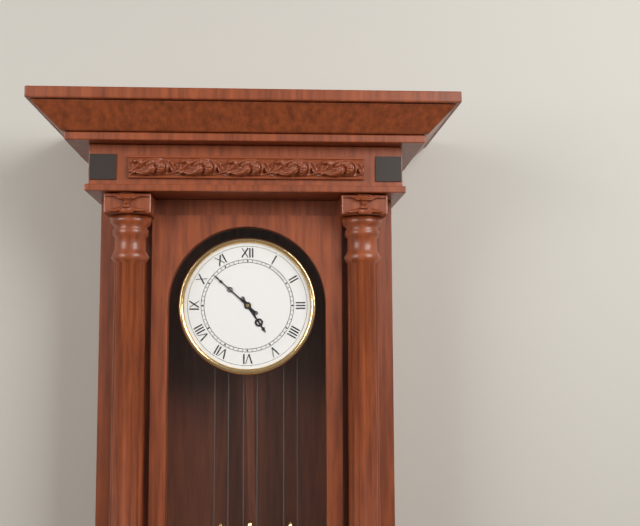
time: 4:52
